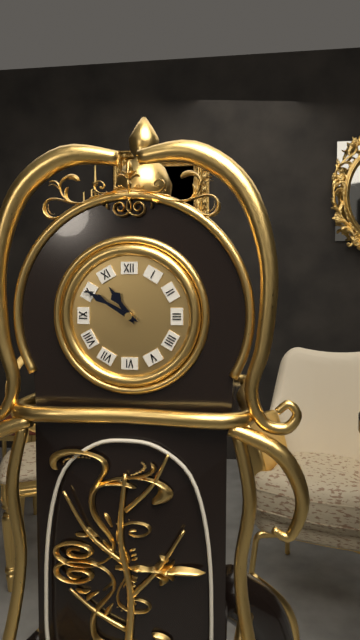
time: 10:50
